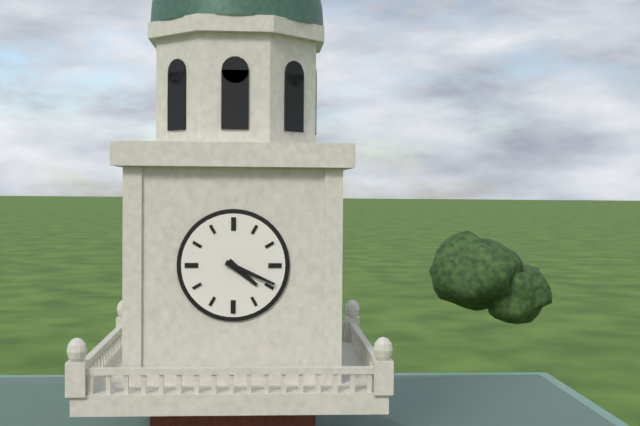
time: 4:19
